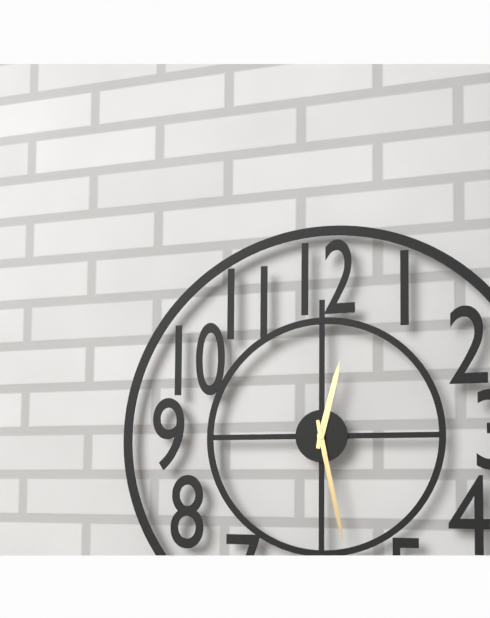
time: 12:28
